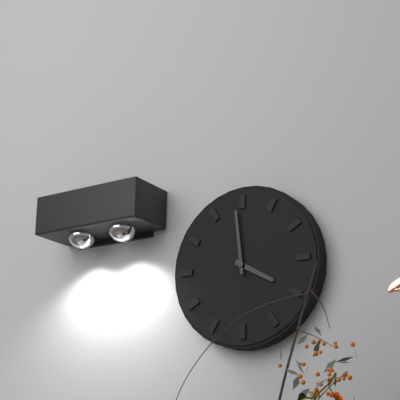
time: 3:59
